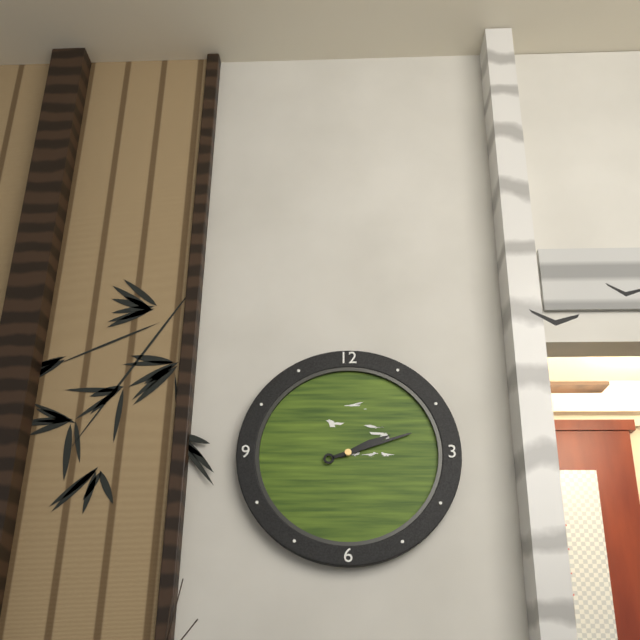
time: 2:12
